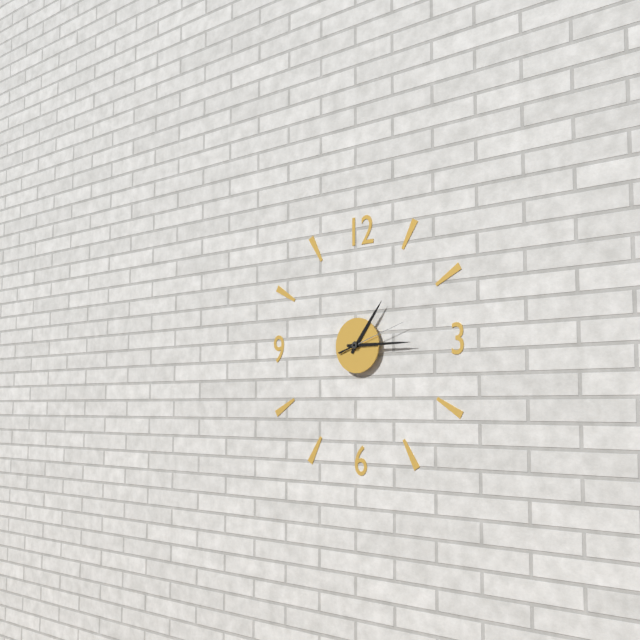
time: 1:15:12
